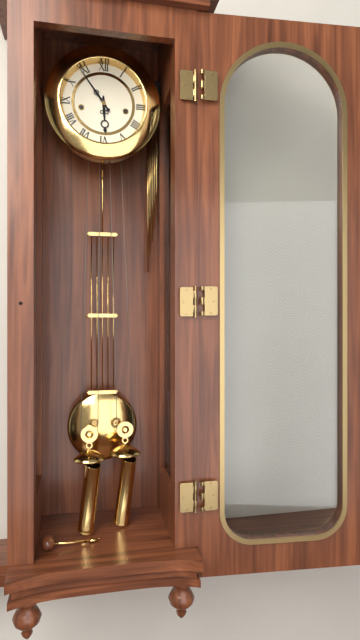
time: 5:54
